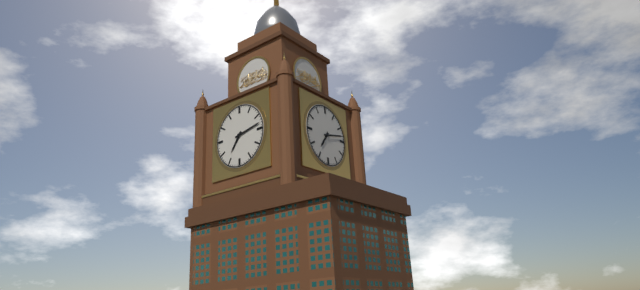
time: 7:13
